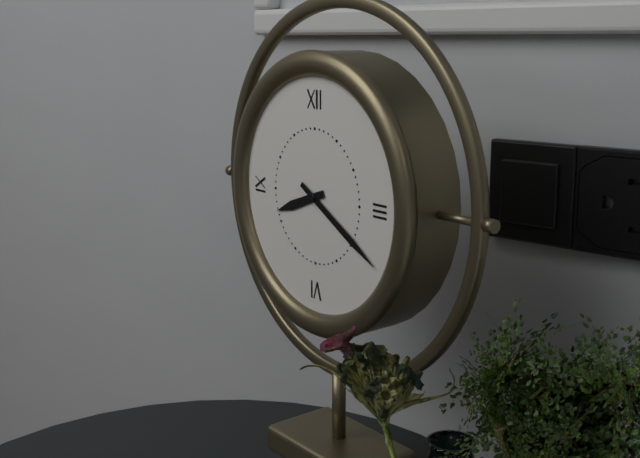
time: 8:20
